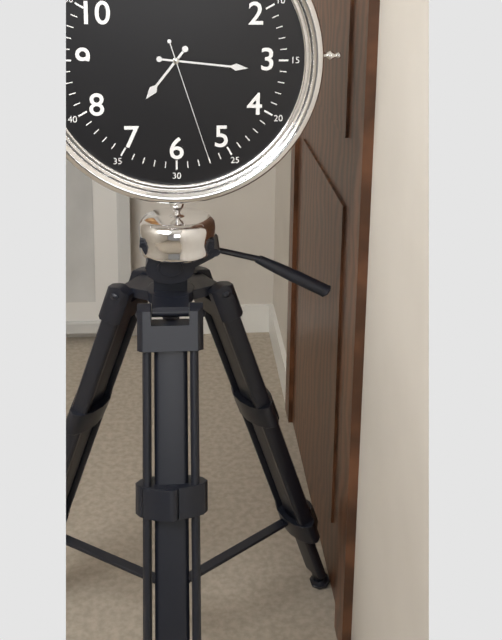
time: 7:16:27
